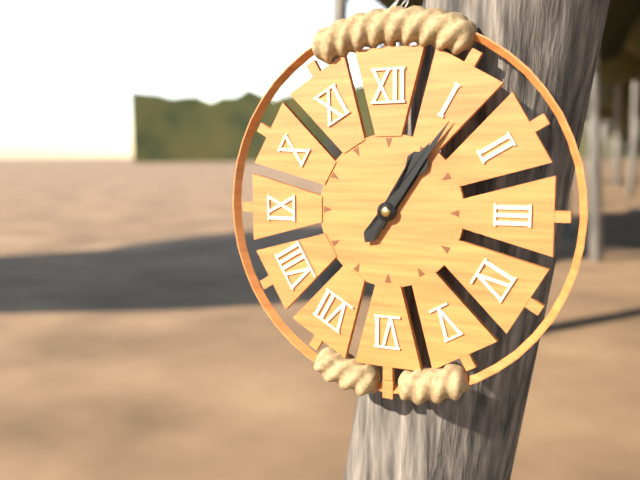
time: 1:06
